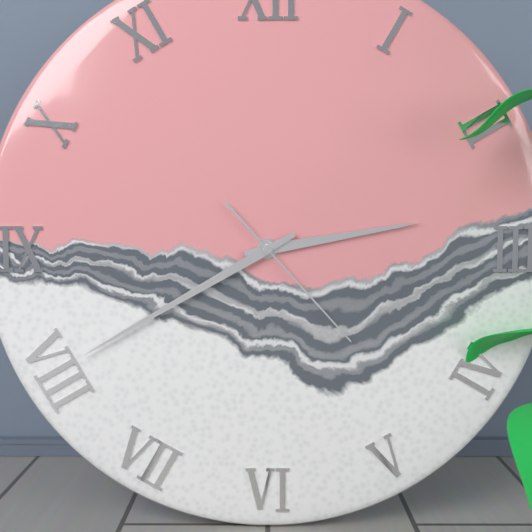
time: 2:40:23
